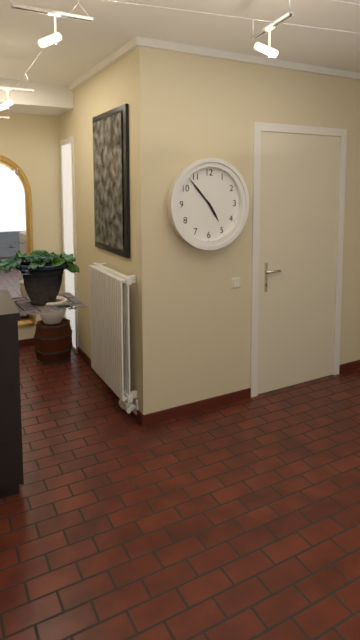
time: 4:53
